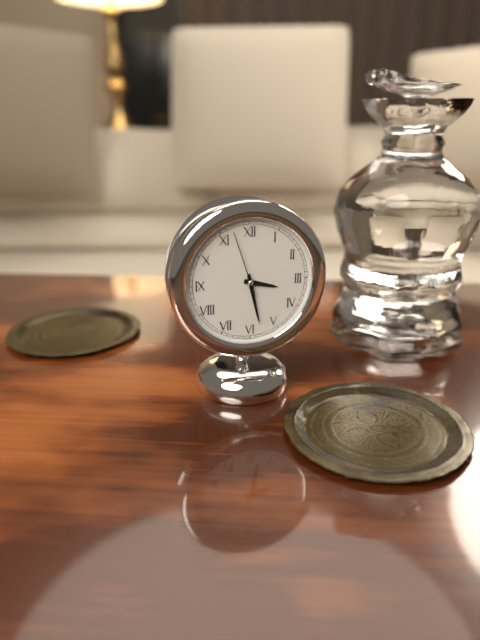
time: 3:28:57
